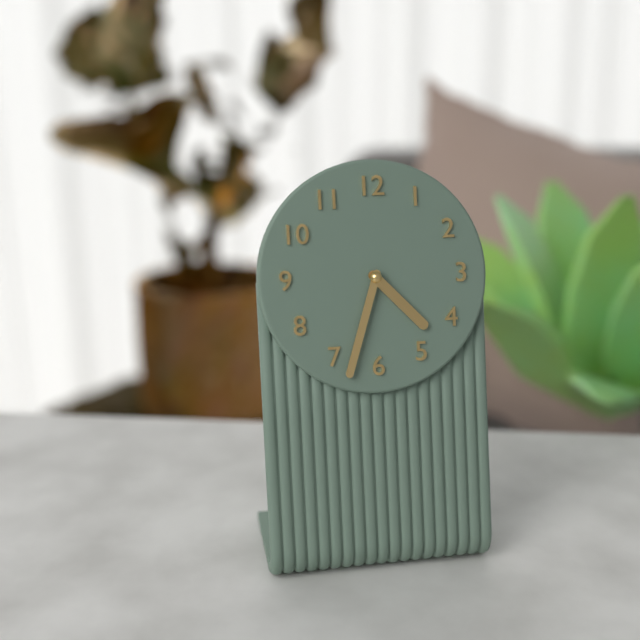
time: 4:33
